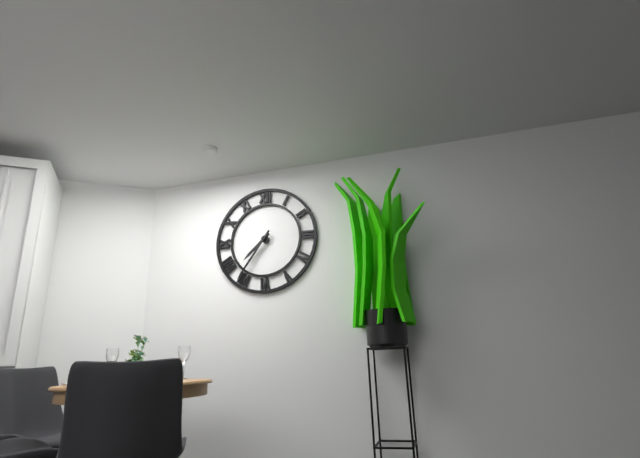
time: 7:36
